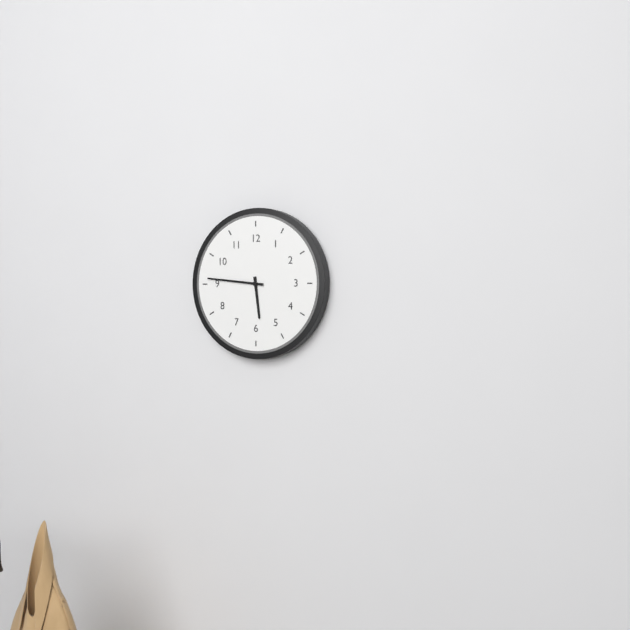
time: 5:46
